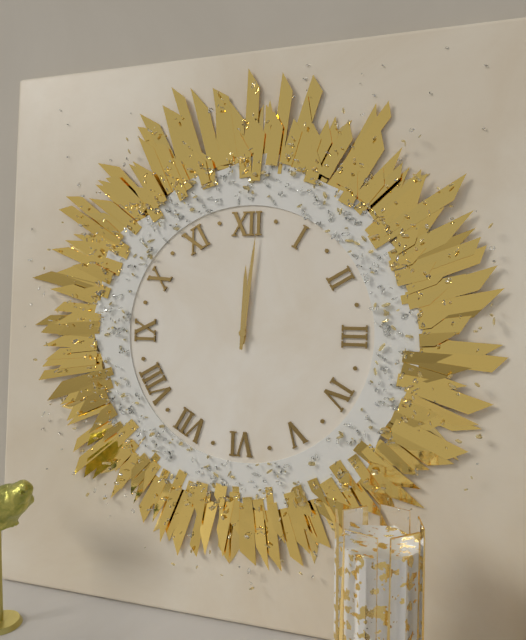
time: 12:01
